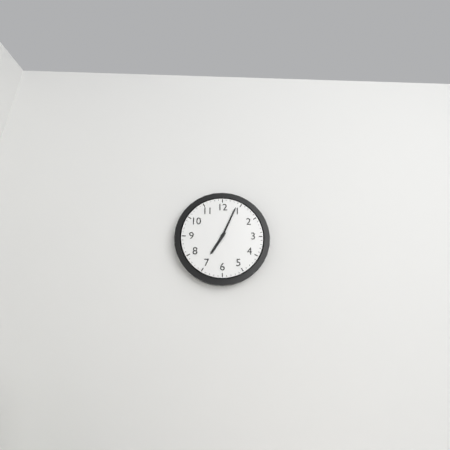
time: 7:04
